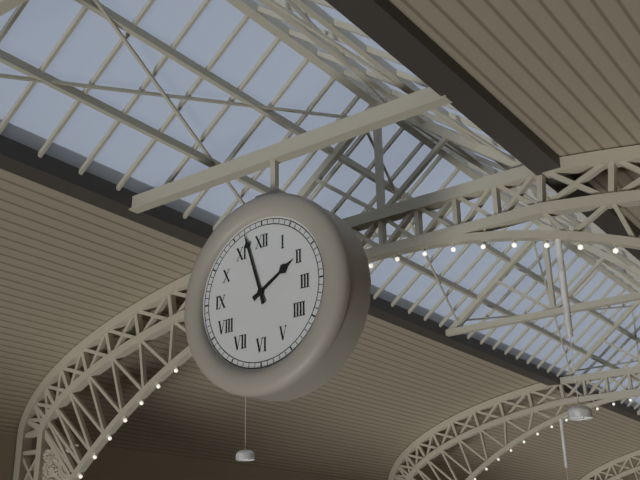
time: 1:57
